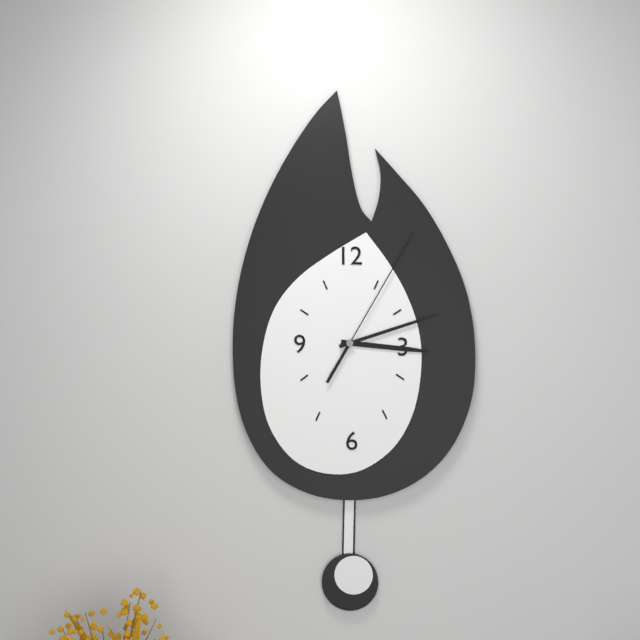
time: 3:12:05
